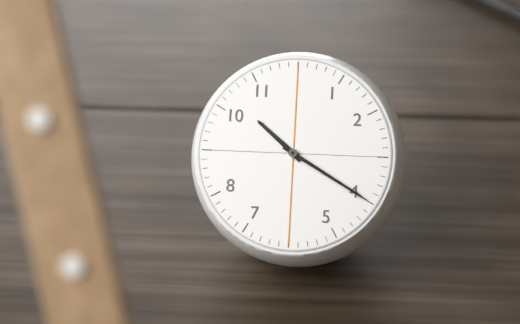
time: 10:20
